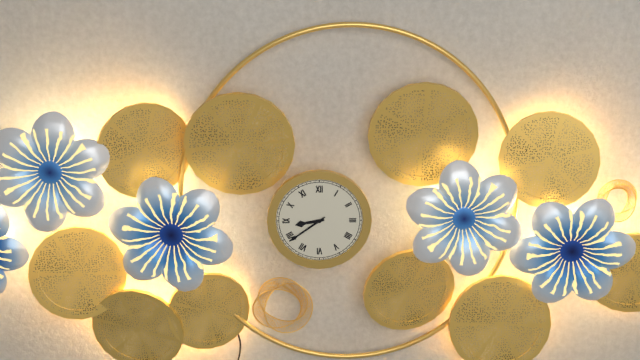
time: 8:39
